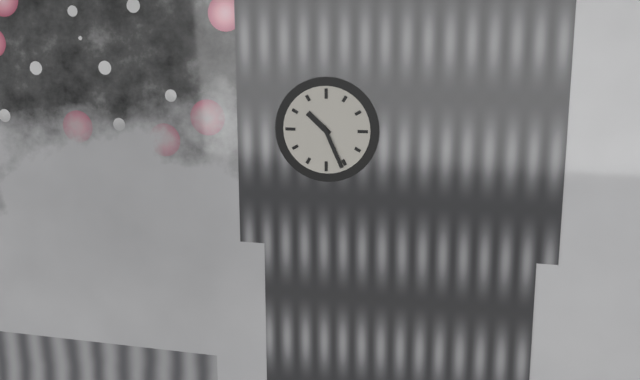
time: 10:26
